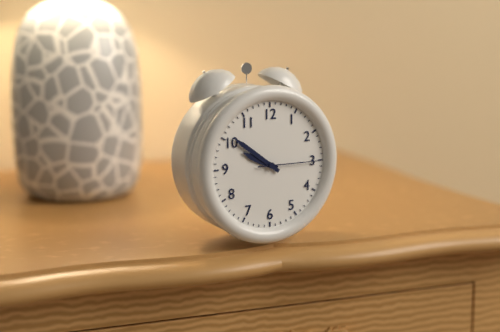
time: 9:51:15
